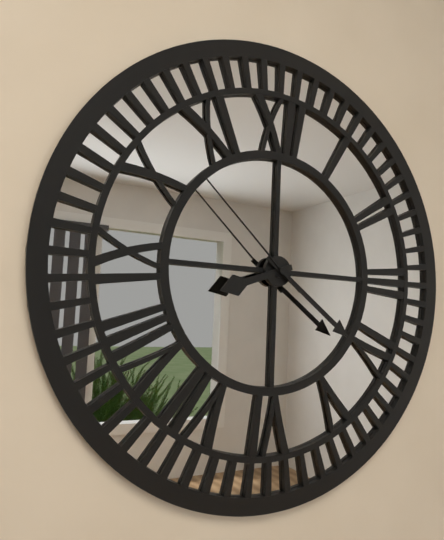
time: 8:21:52
